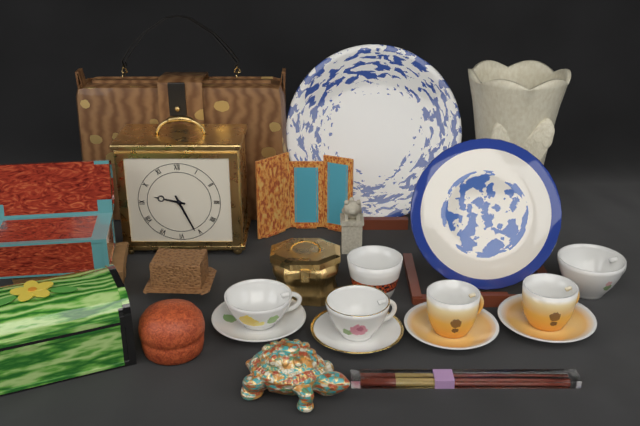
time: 9:26
